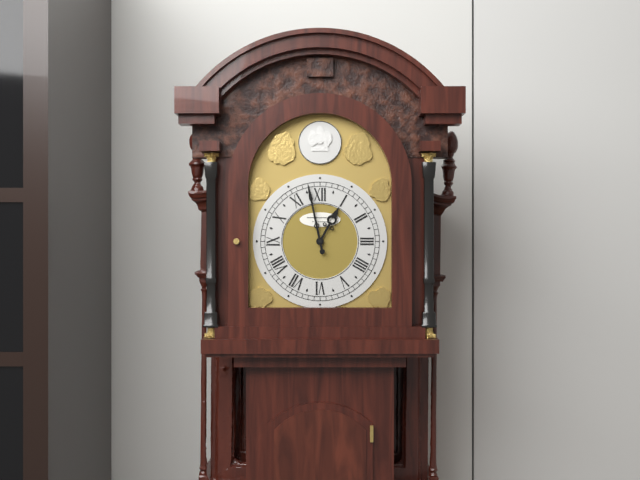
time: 12:58
